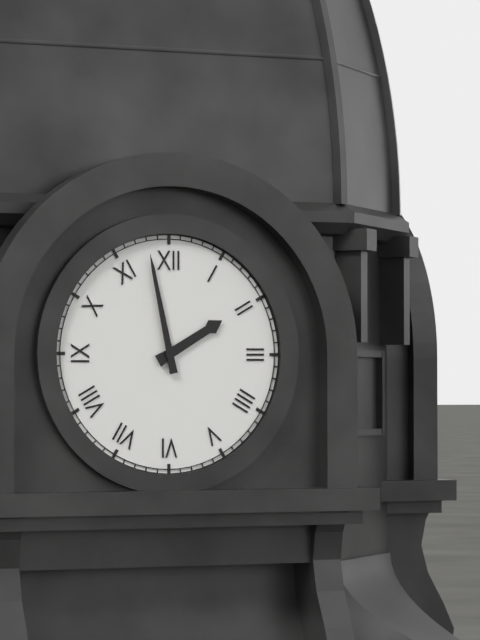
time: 1:58
